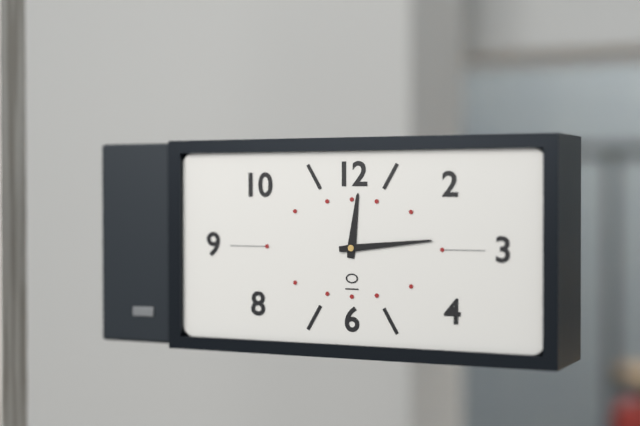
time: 12:14
